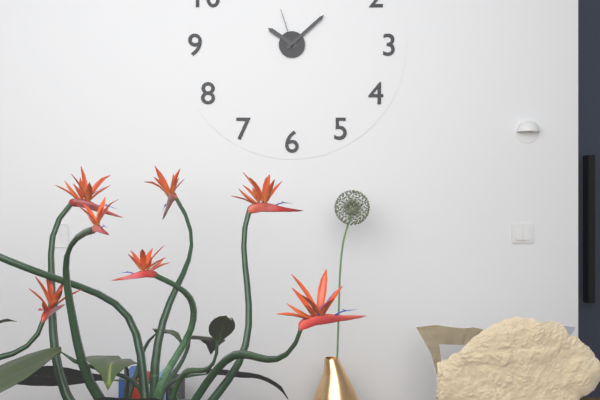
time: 10:08
